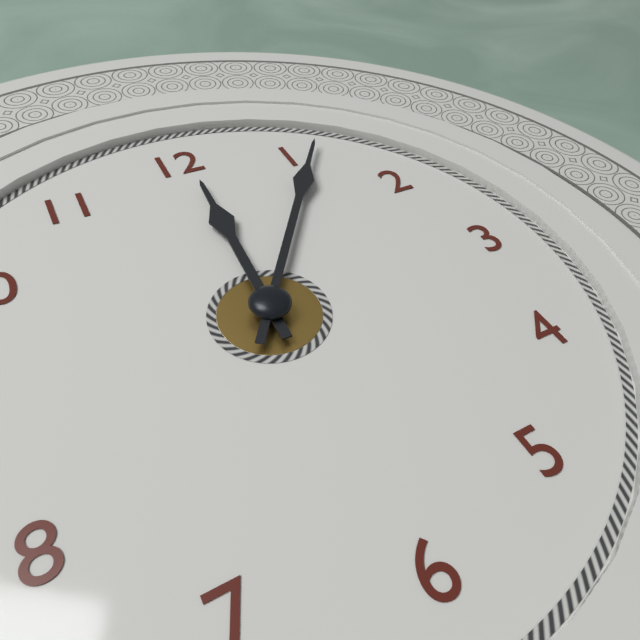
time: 12:06
